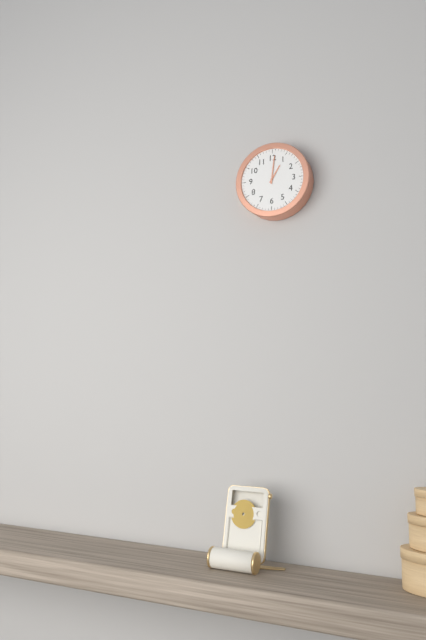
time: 1:01
